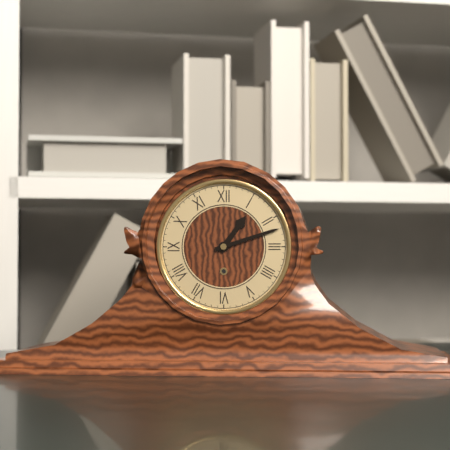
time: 1:12
